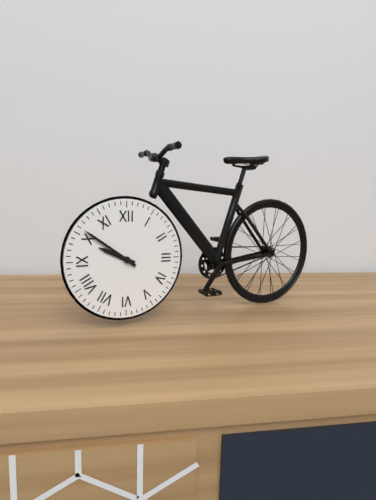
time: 9:51
